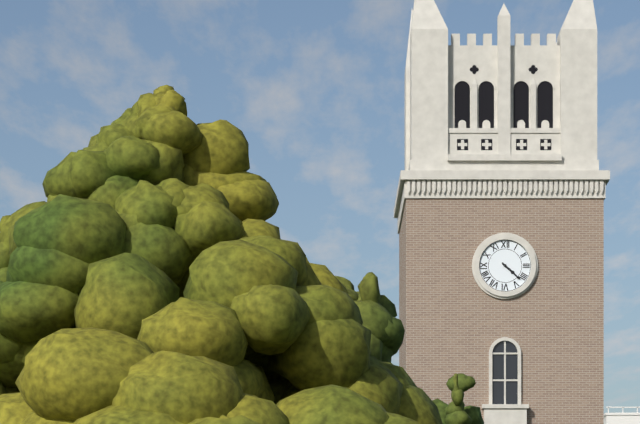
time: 4:22
